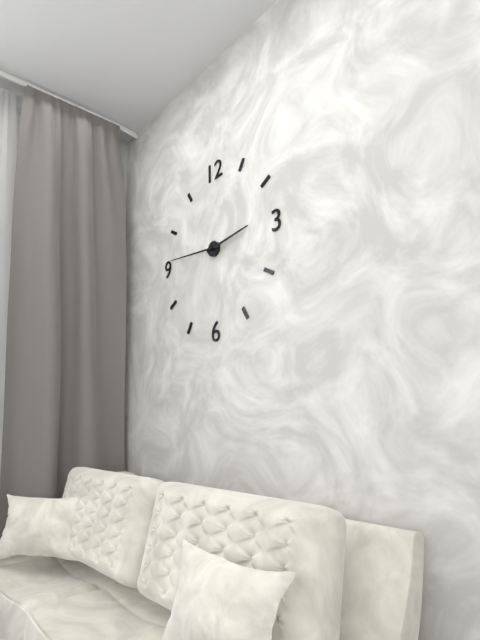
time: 2:46
